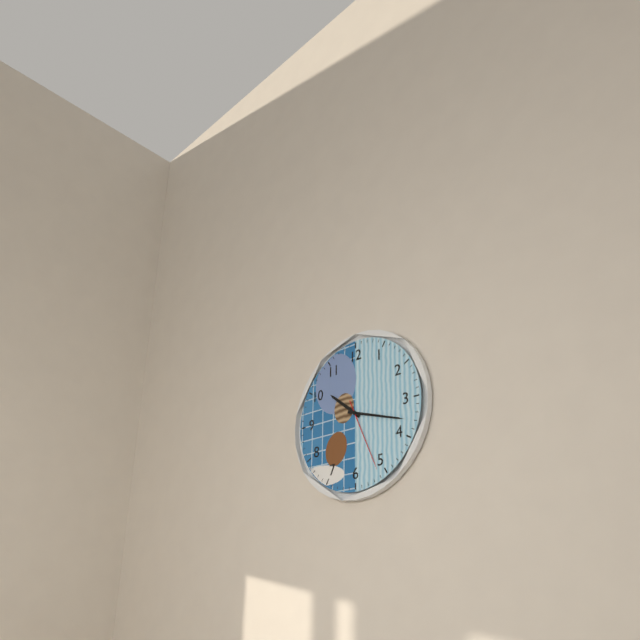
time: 10:18:26
